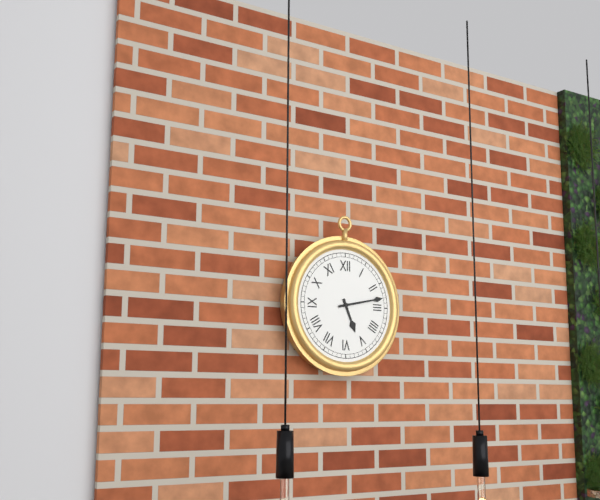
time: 5:13
